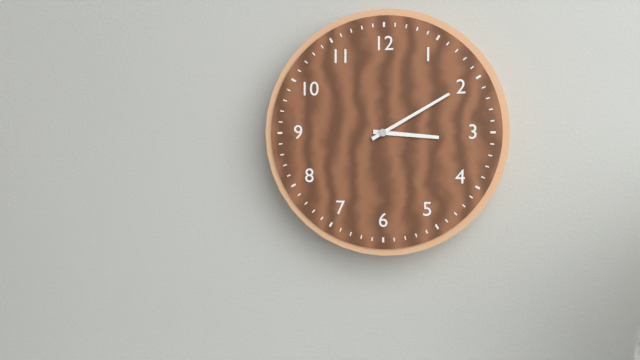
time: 3:10
